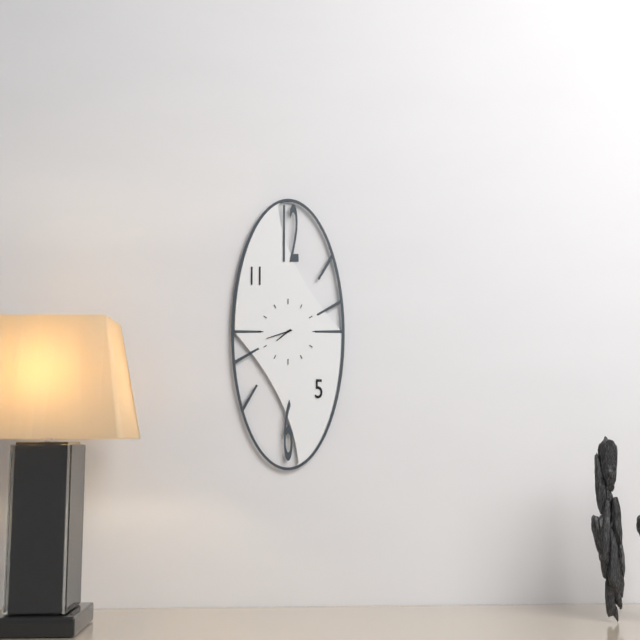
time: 7:42
